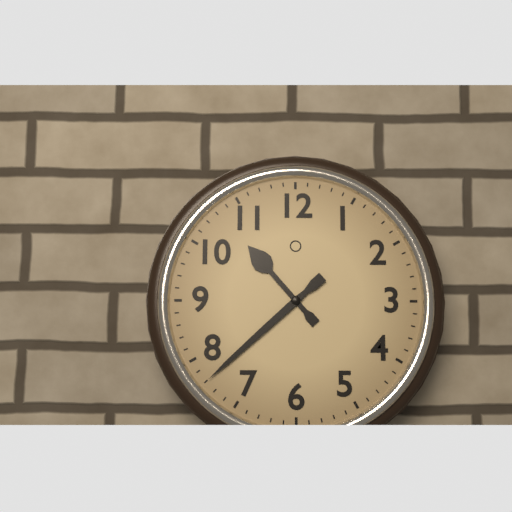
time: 10:38
